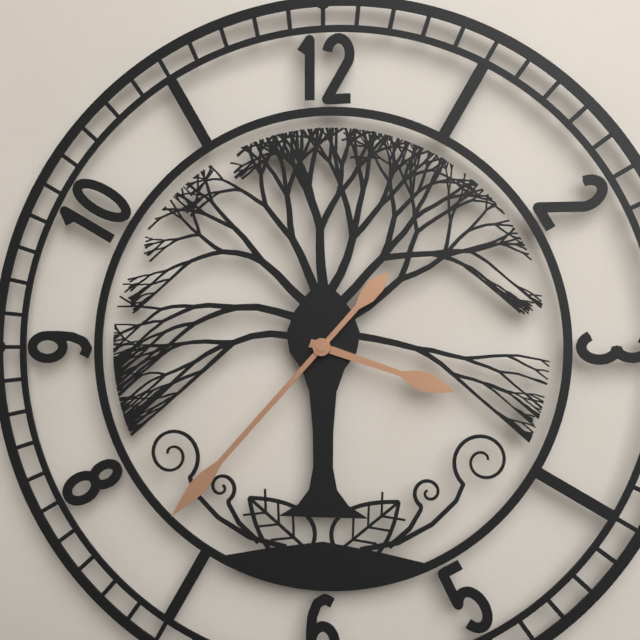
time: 3:37
